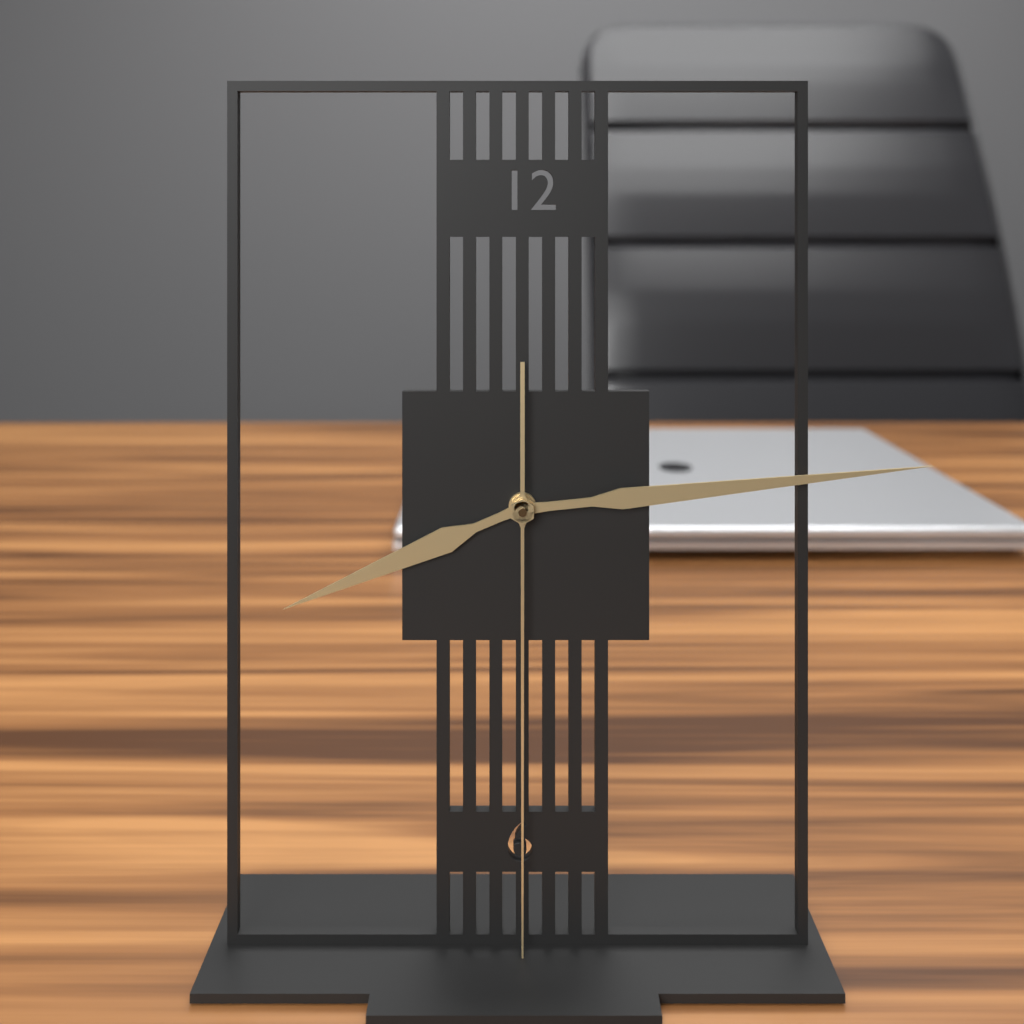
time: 8:14:30
